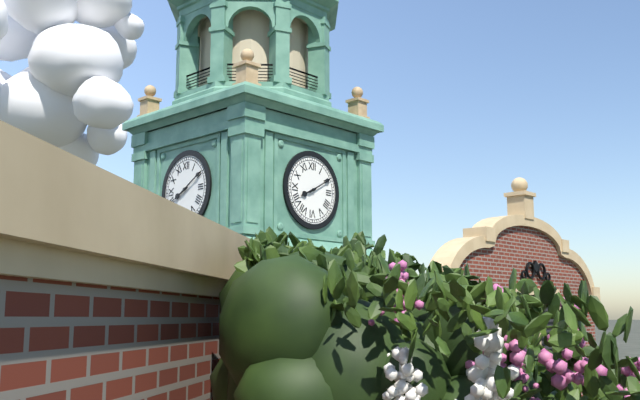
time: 8:10
